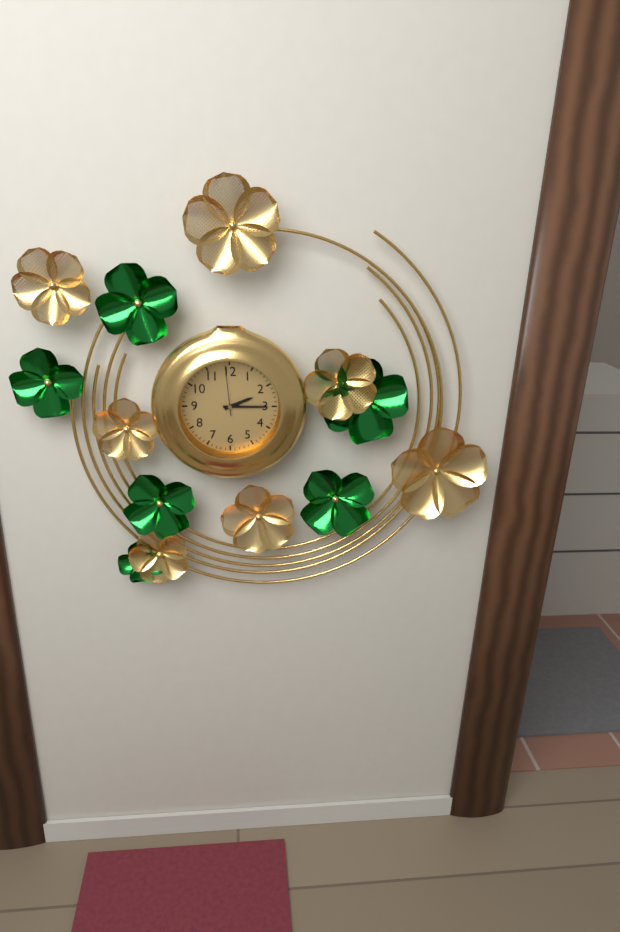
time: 2:15:59
